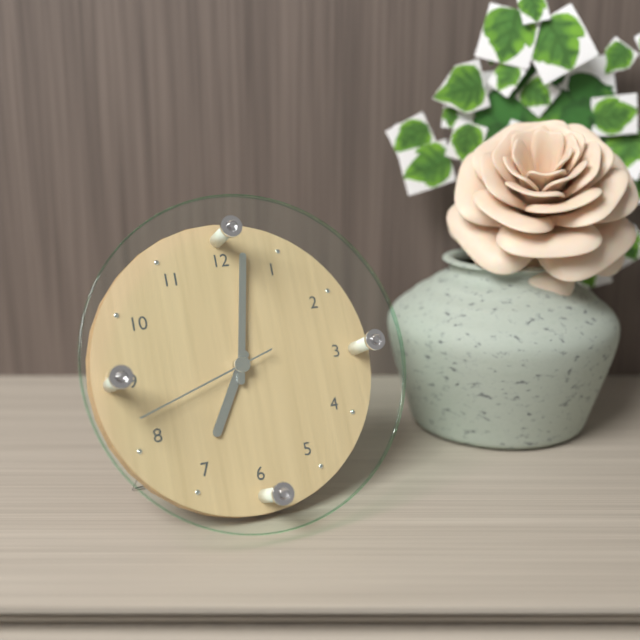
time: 7:02:42
